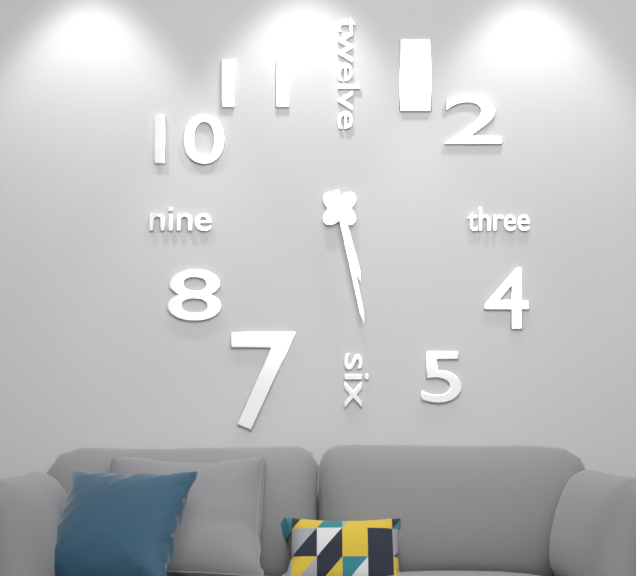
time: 5:28
